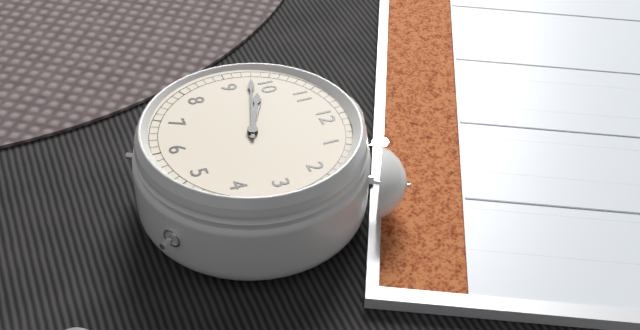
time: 9:48
